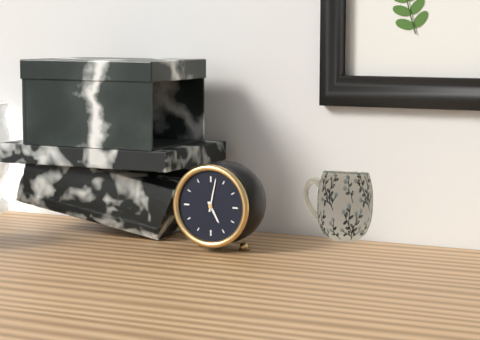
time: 5:02
